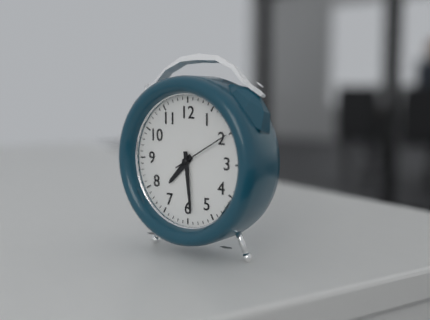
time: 7:29
